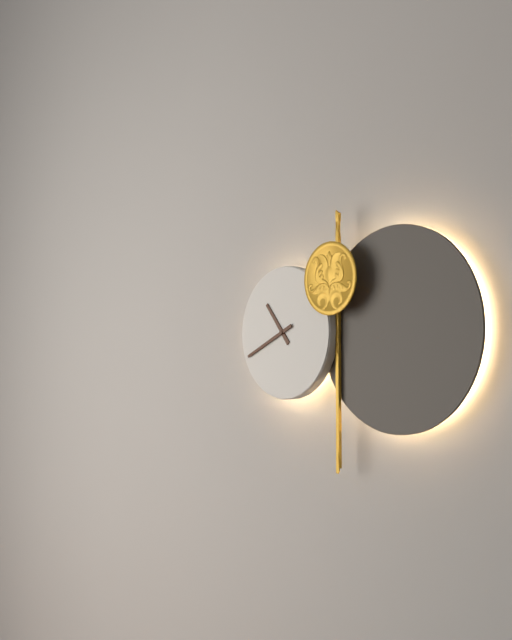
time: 10:41
